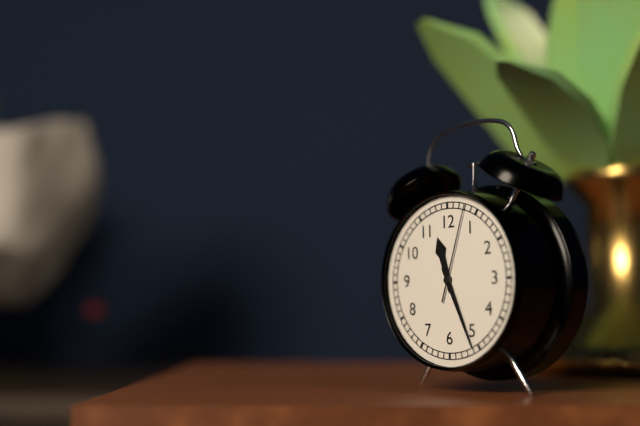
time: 11:26:03
